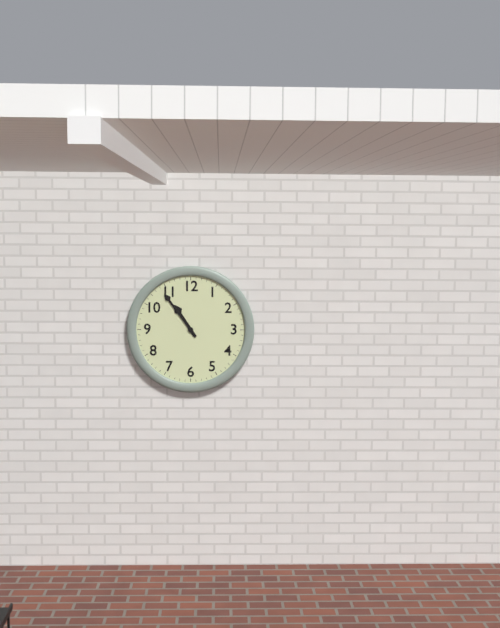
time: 10:54
